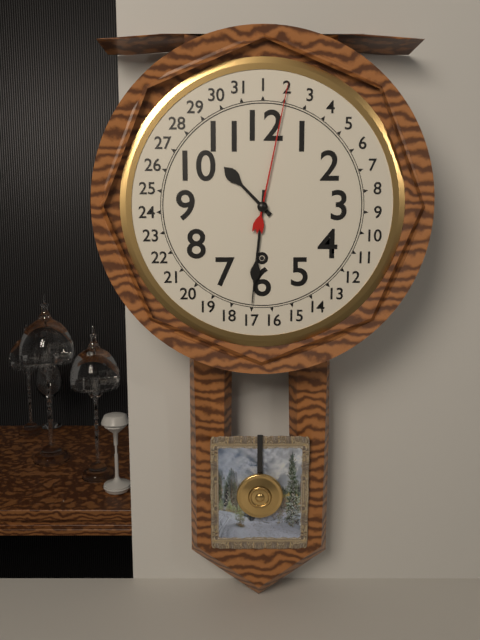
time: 10:31
